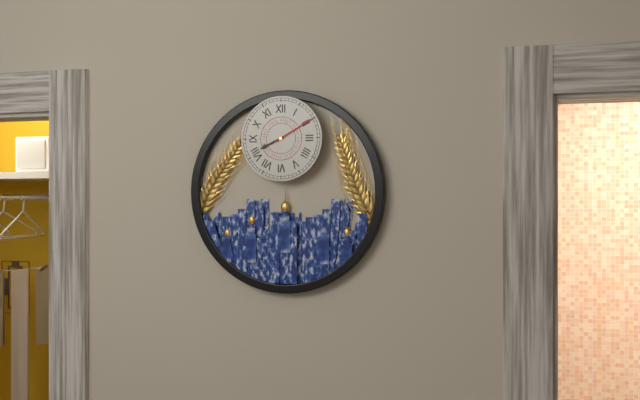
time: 8:10
